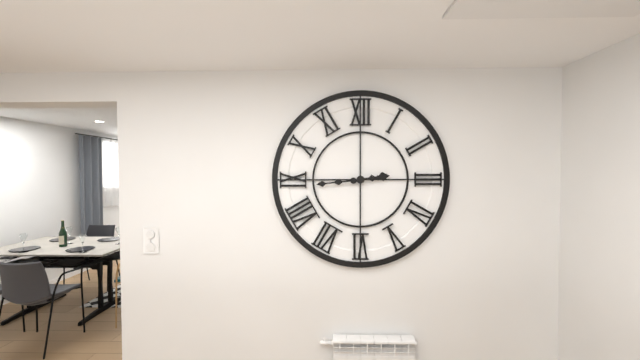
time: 2:44
